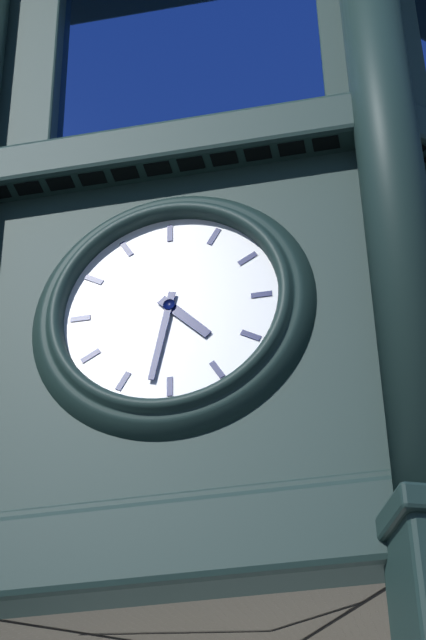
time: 4:32
